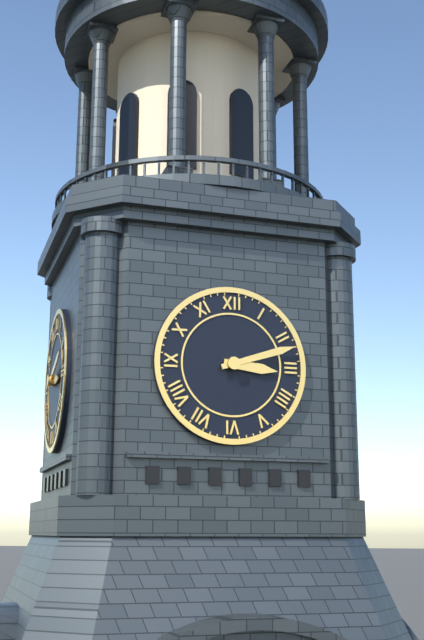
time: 3:12
